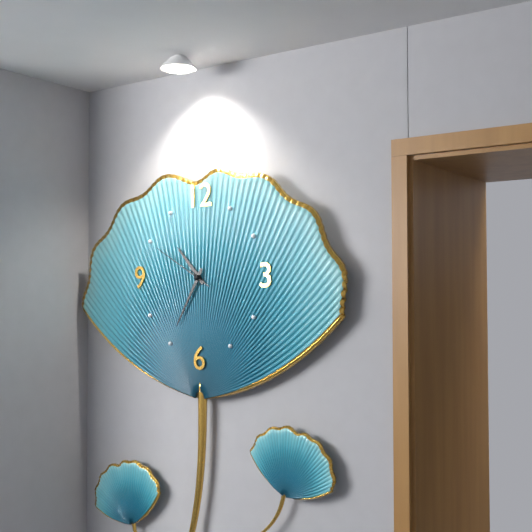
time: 10:35:50
